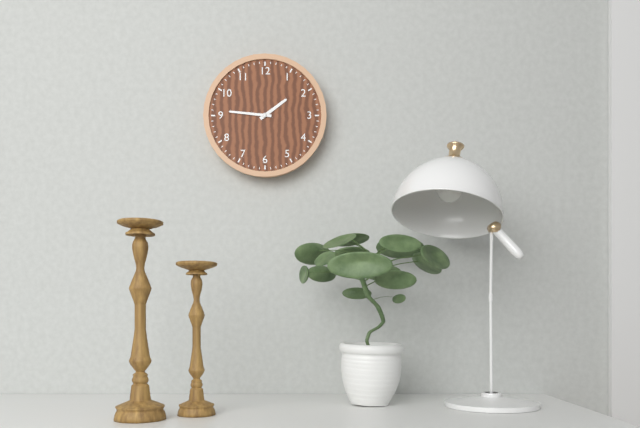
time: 1:46
